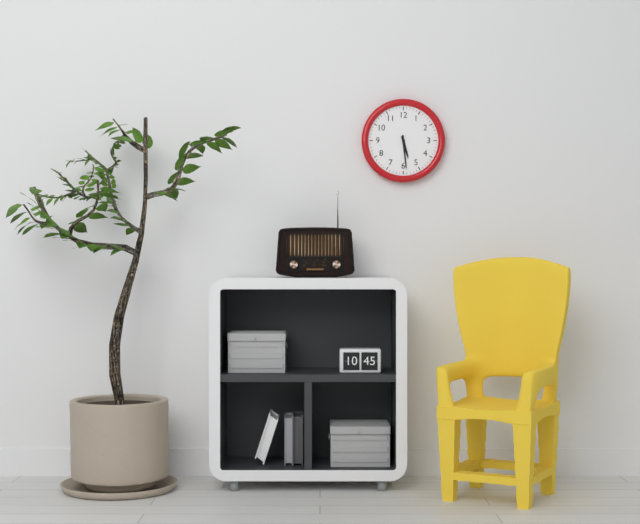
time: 5:29
